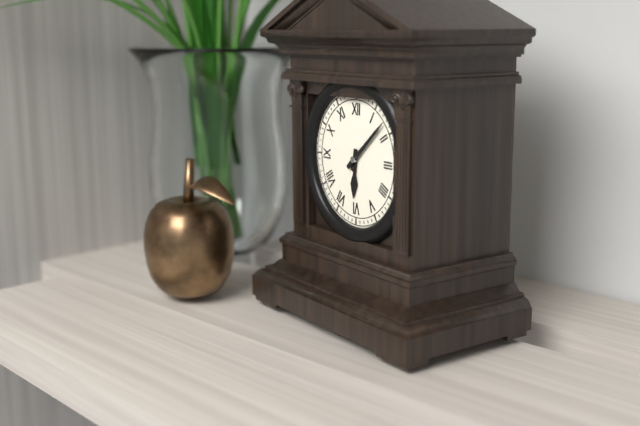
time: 6:08
